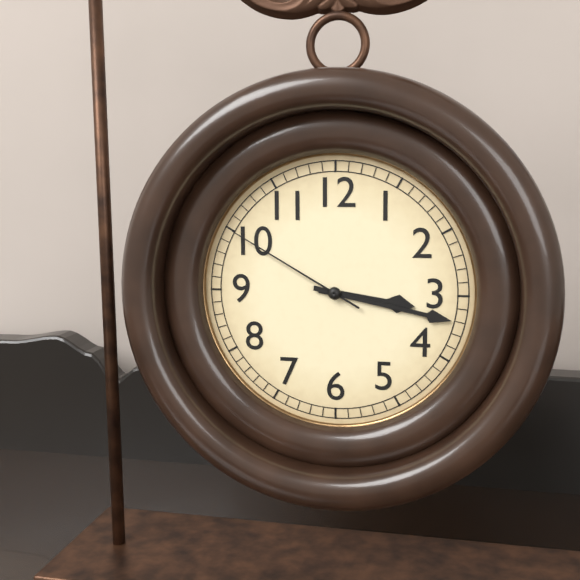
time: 3:17:50
